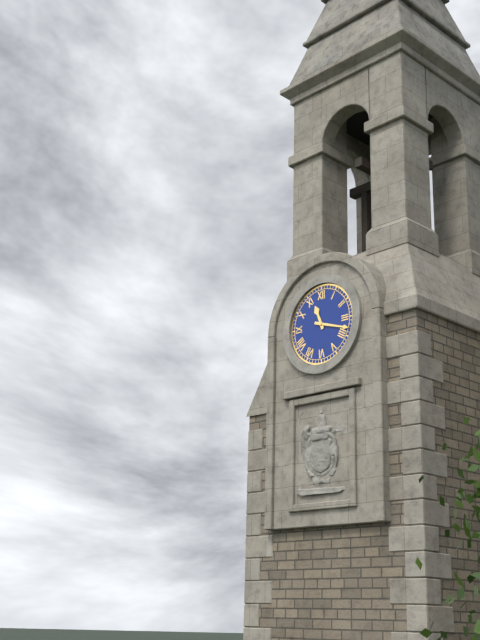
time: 11:18
